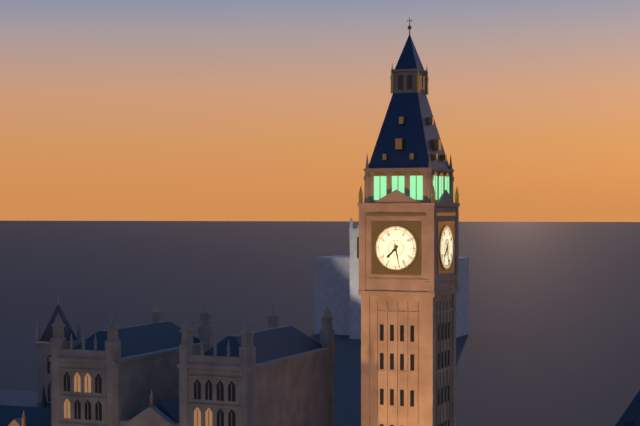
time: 7:28
